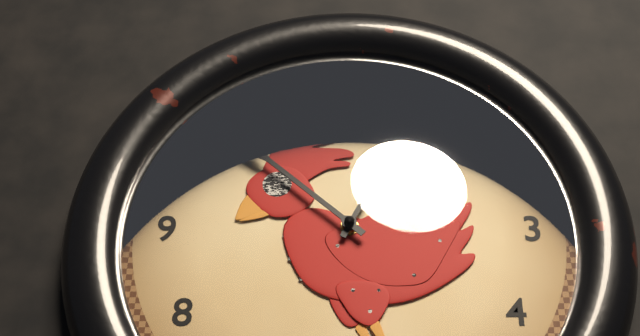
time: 12:52
